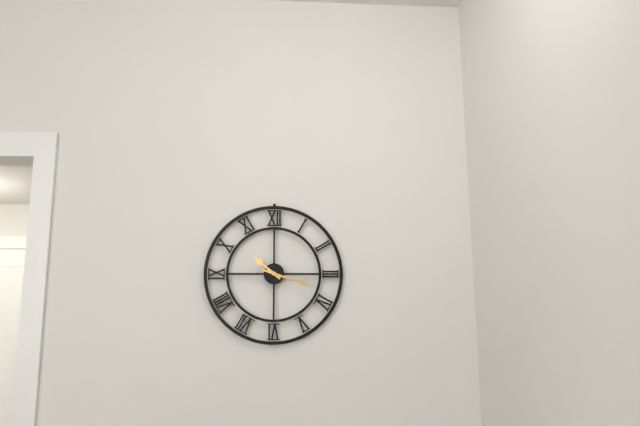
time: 10:18
